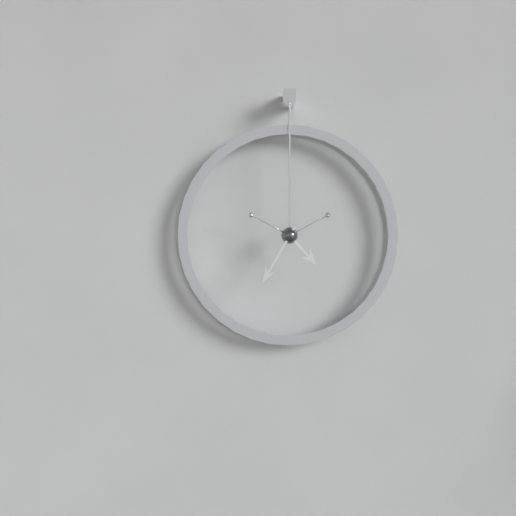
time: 4:35
